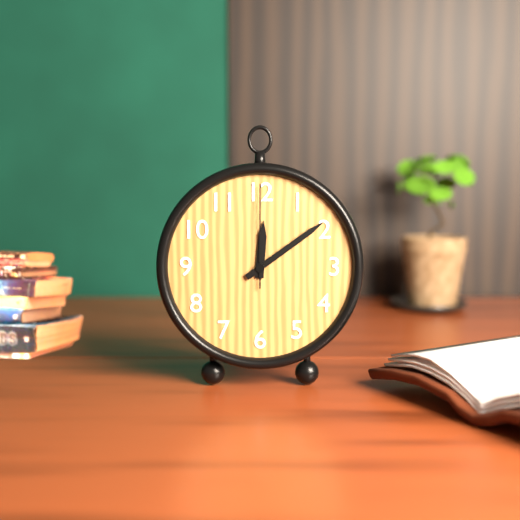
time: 12:09:00
